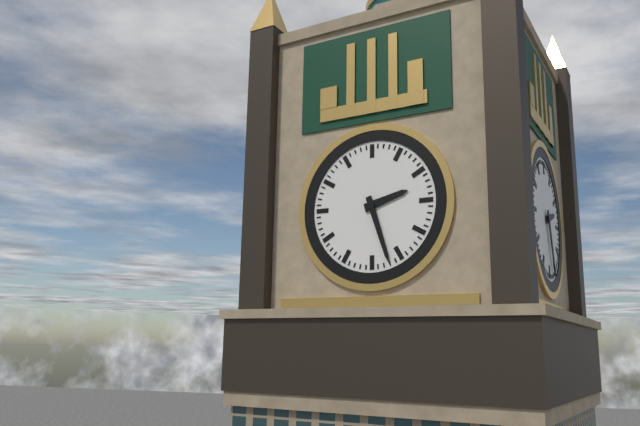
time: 2:27
